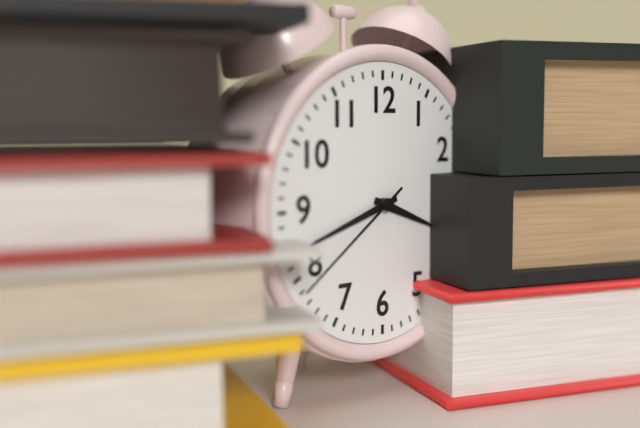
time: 3:42:39
